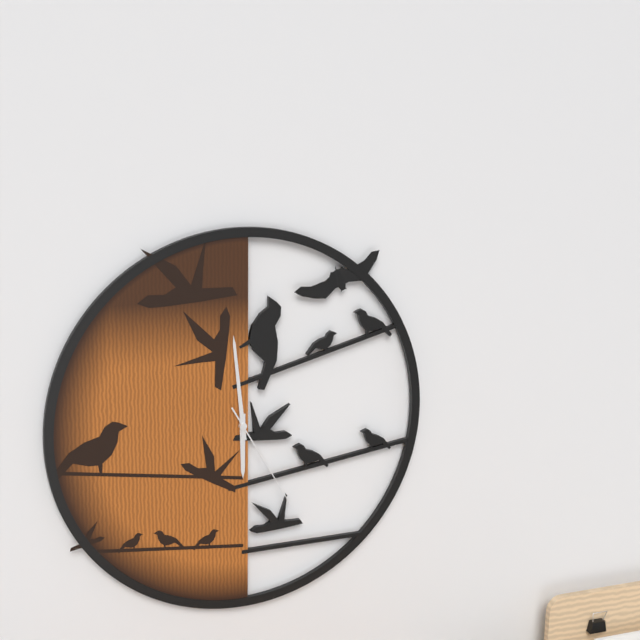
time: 5:59:25
